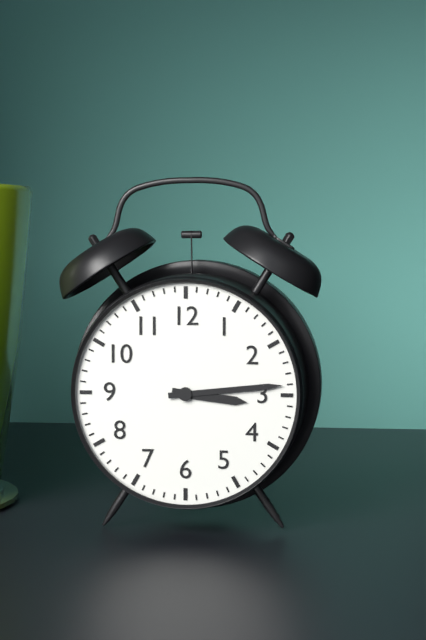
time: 3:14
